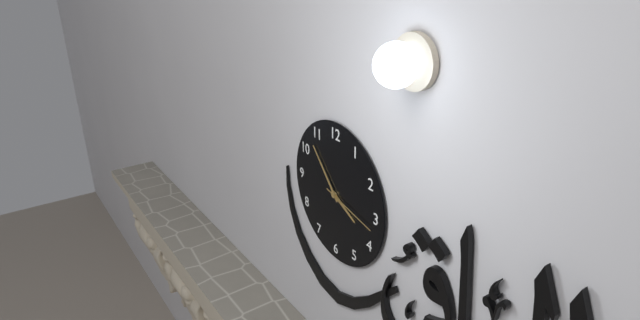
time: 3:53:17
